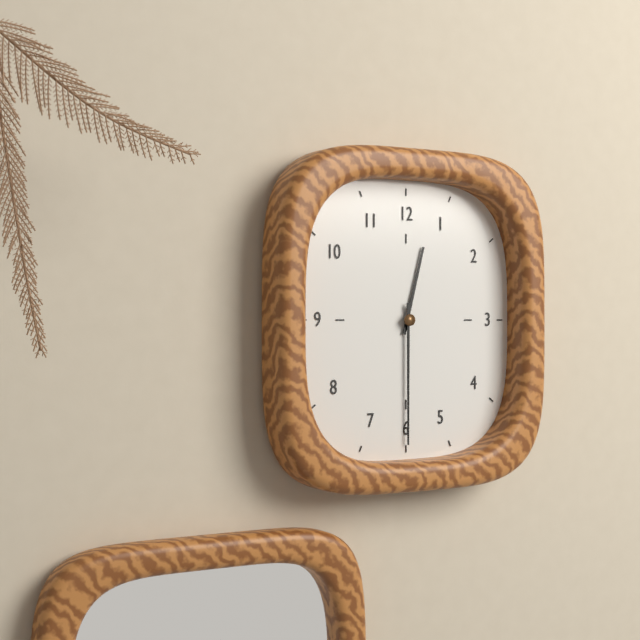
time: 12:30
